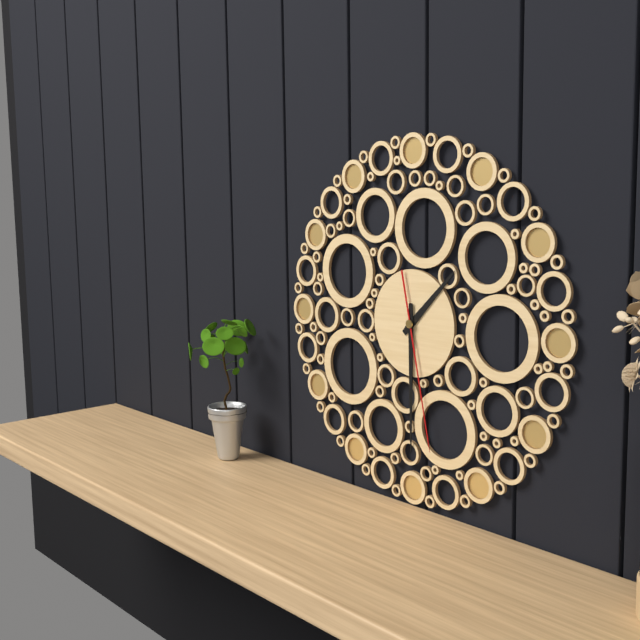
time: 1:30:28
